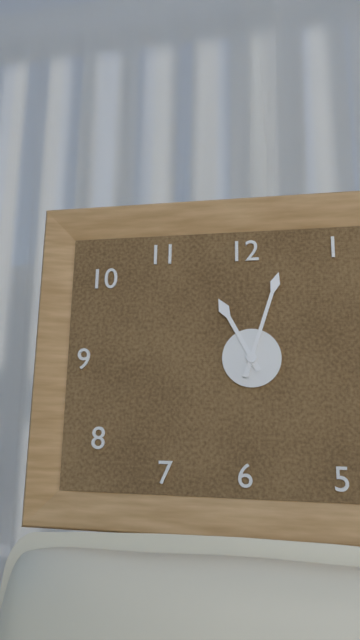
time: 11:03
